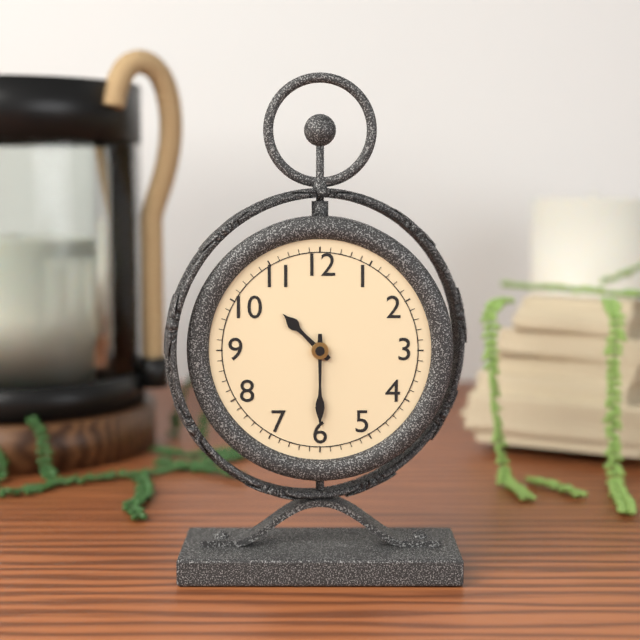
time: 10:30
